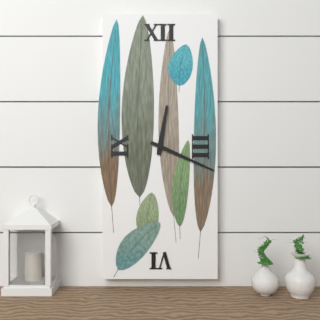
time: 12:19
